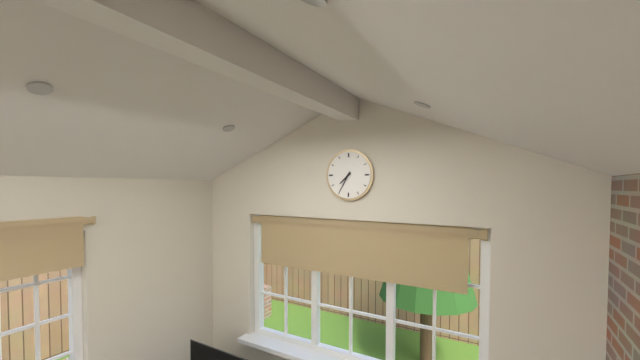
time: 7:35
